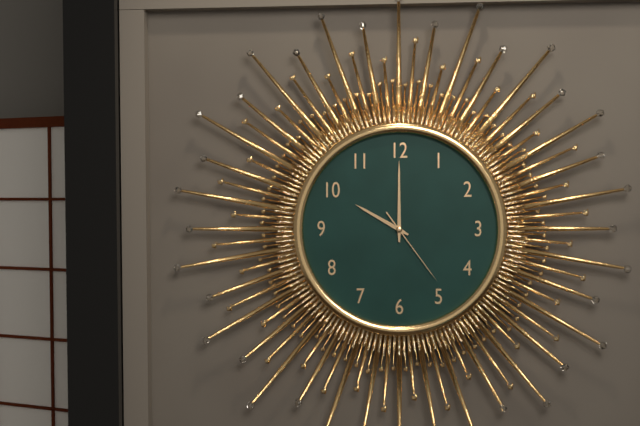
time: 10:00:24
